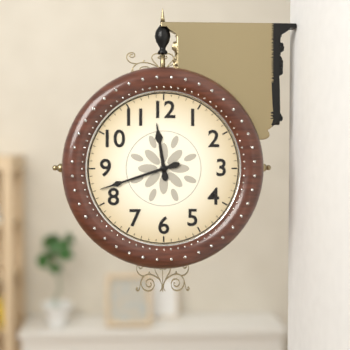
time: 11:42
